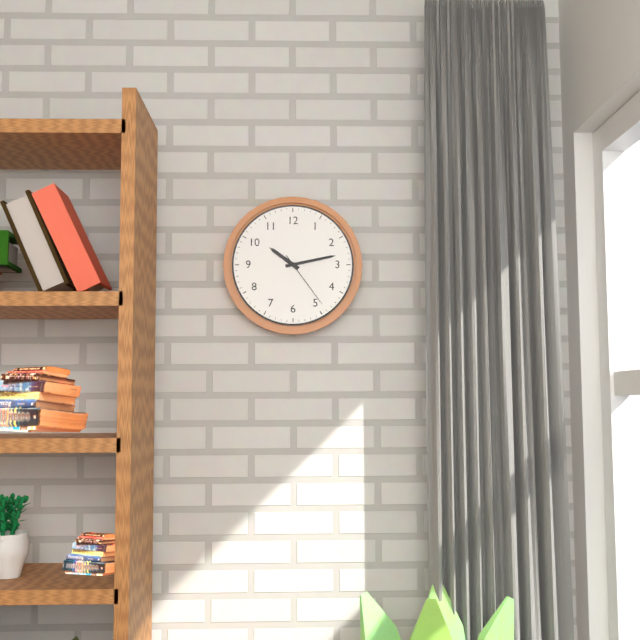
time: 10:13:24
